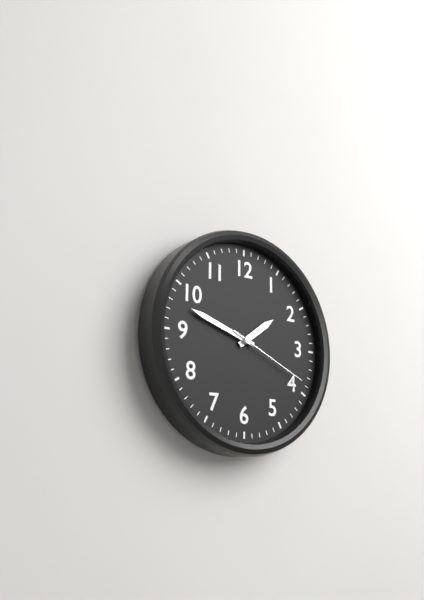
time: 1:48:19
